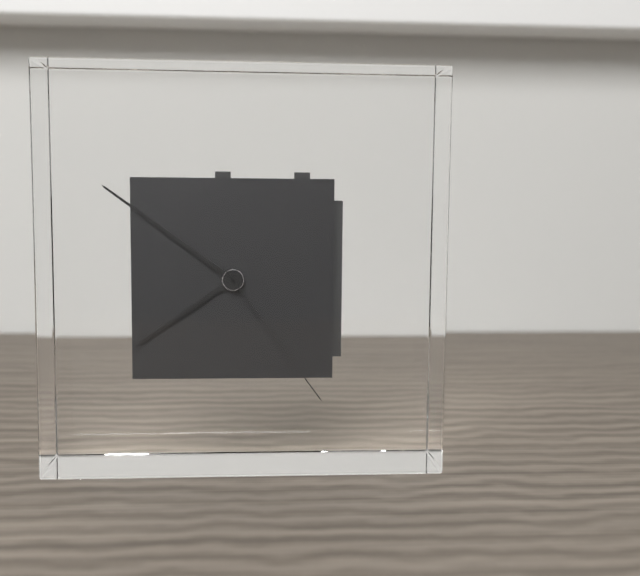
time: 7:51:24
